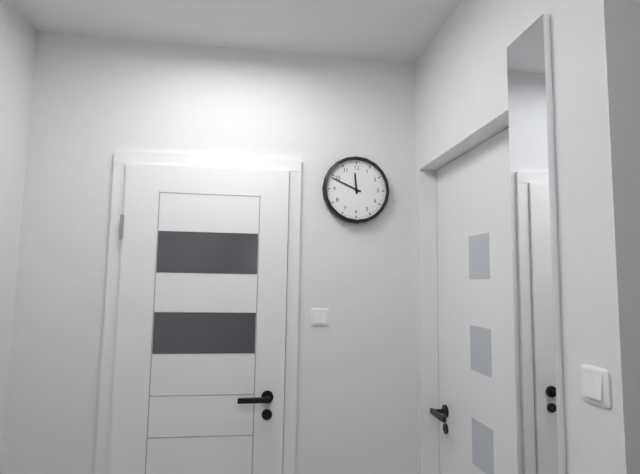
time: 11:49
